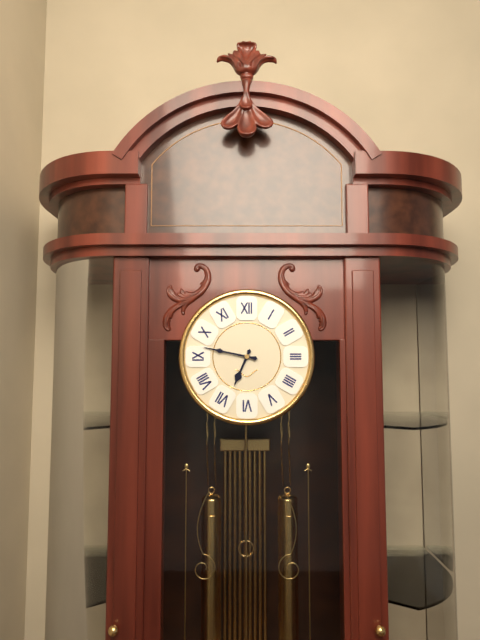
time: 6:47
